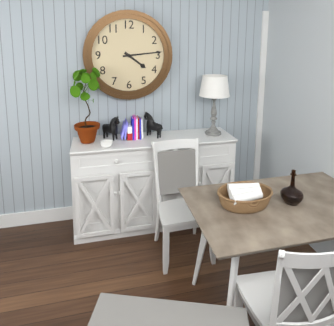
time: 4:14
